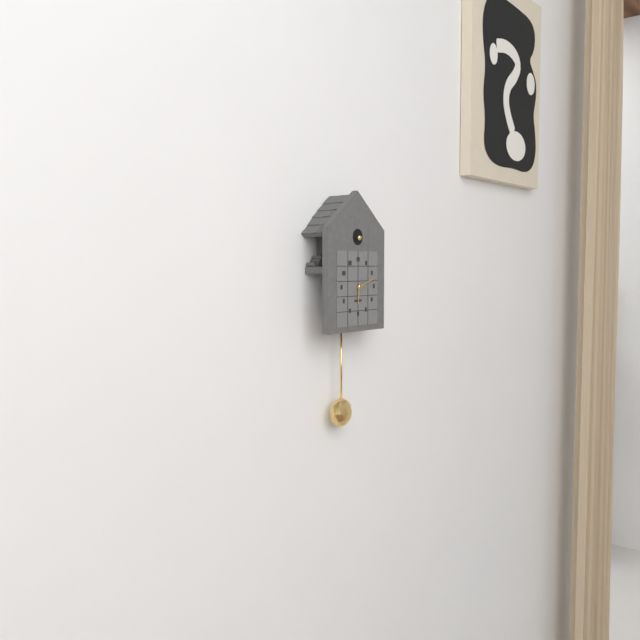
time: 6:12
